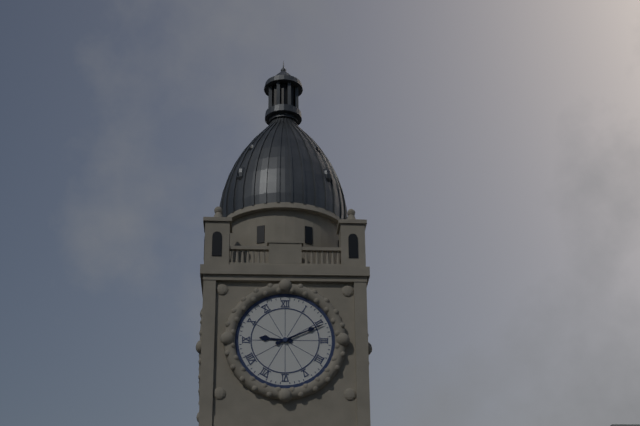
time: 9:11
